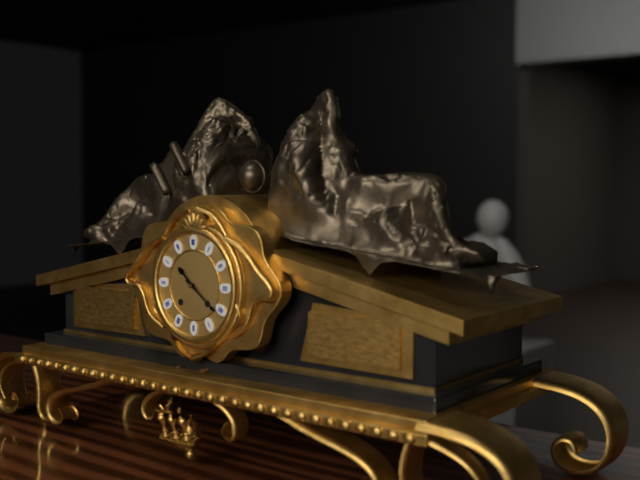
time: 10:21
